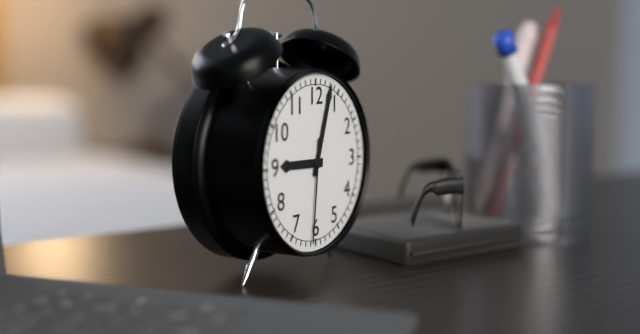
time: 9:03:31
